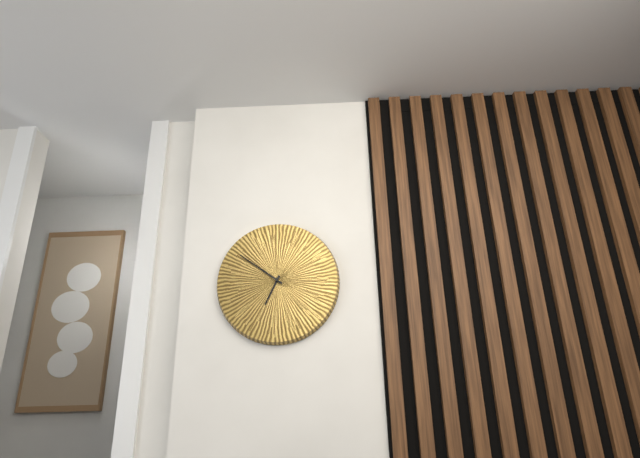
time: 6:51
